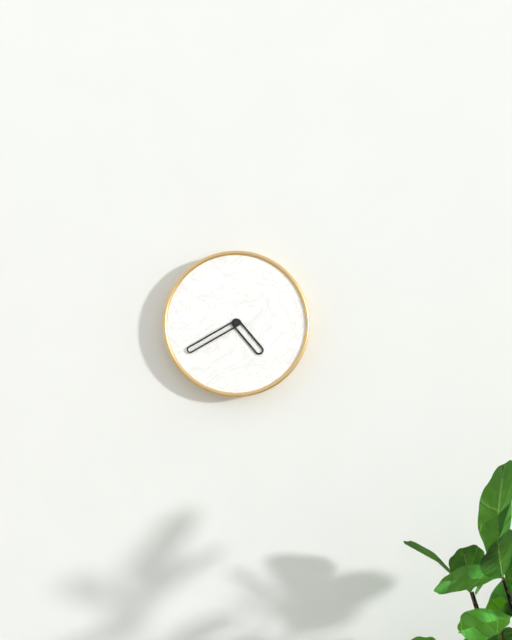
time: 4:40
